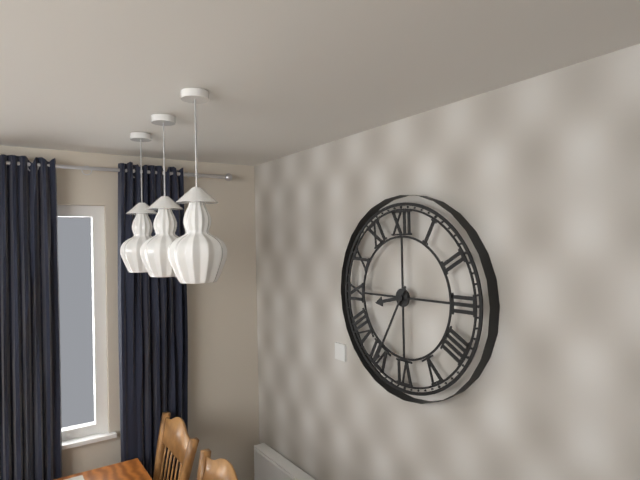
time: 8:35
